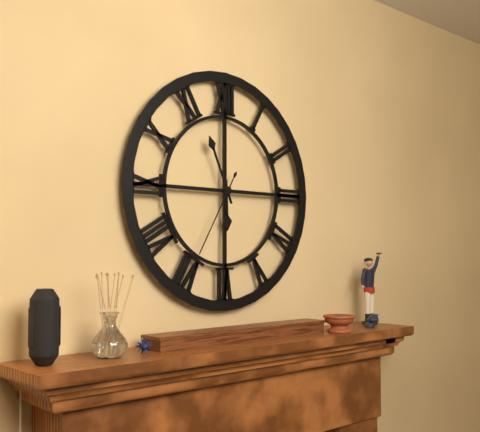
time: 5:56:35
